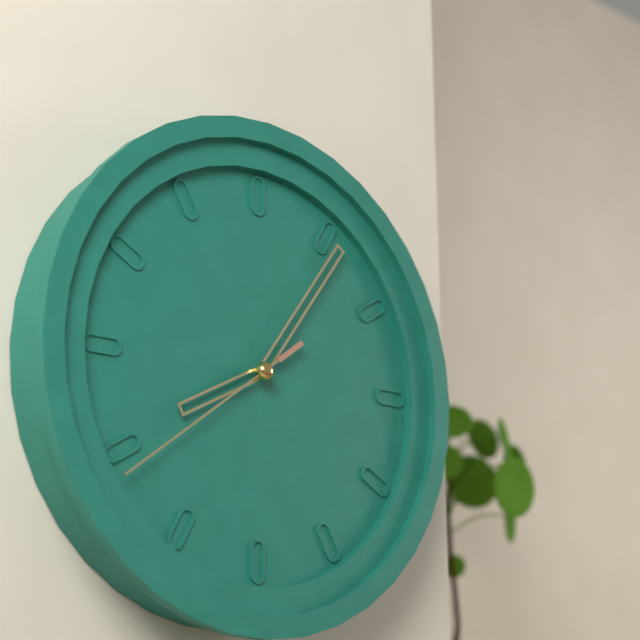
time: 8:06:39
